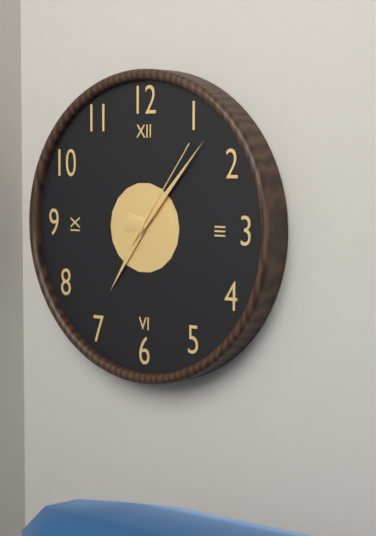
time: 7:07:06
